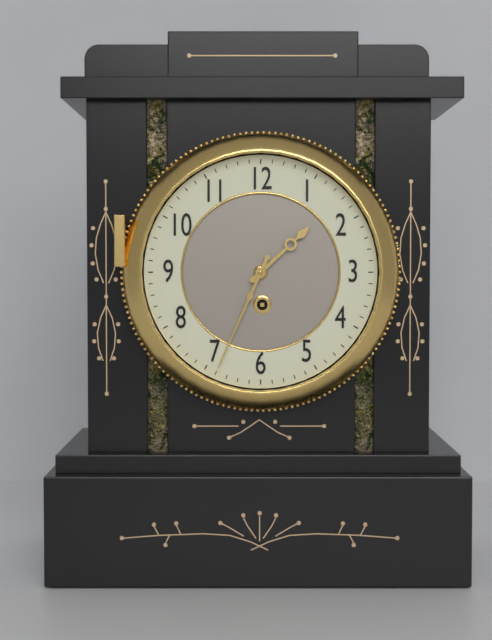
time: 1:34
